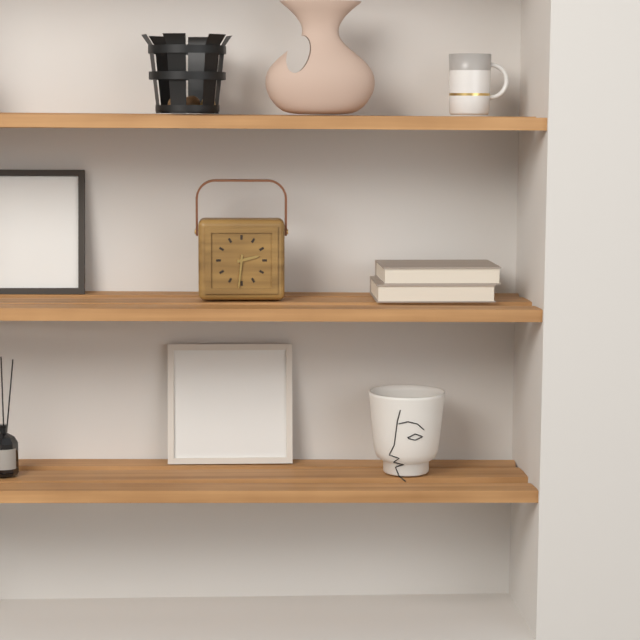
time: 2:31
